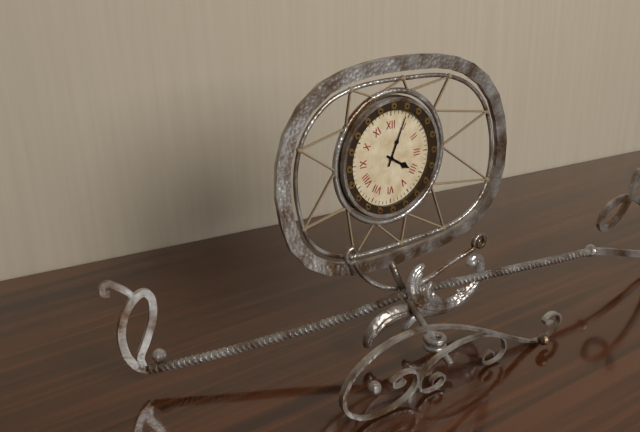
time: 4:04
